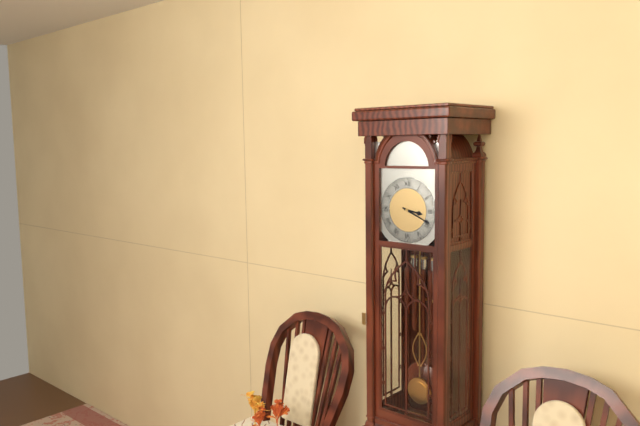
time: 3:19
